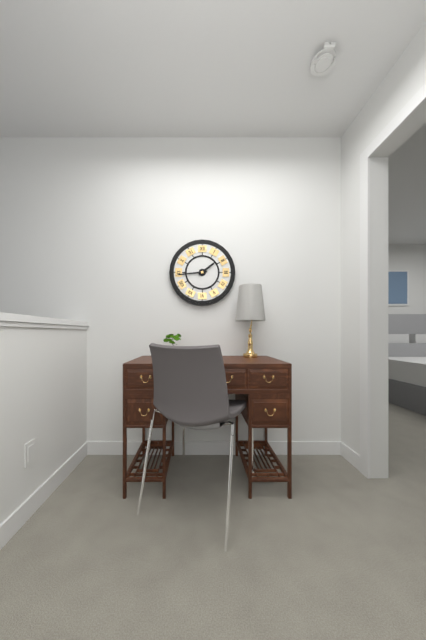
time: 1:44
